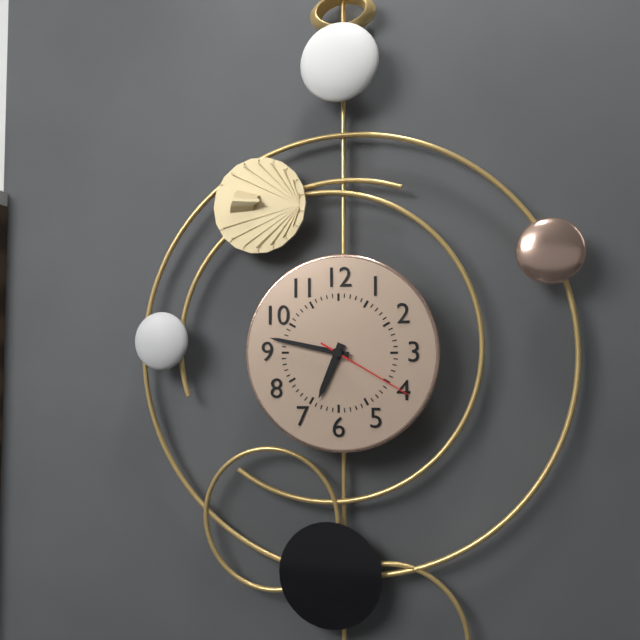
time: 6:47:20
